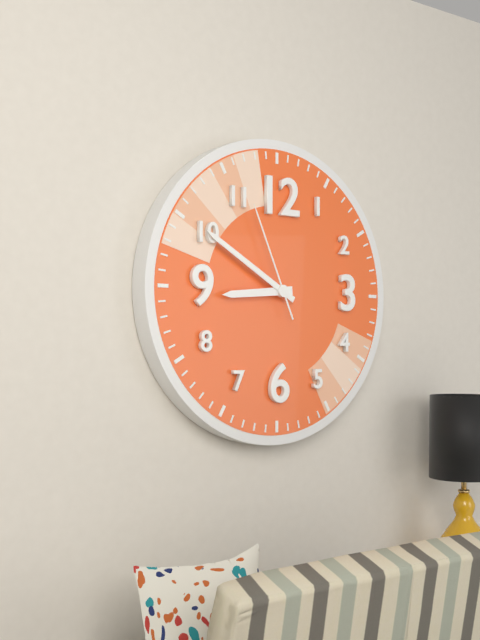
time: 8:50:56
